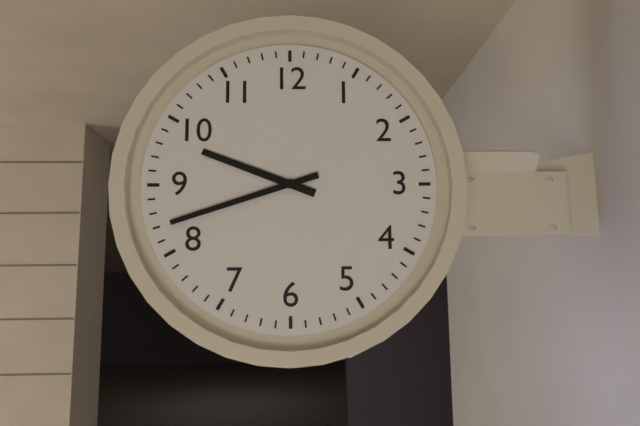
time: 9:42
